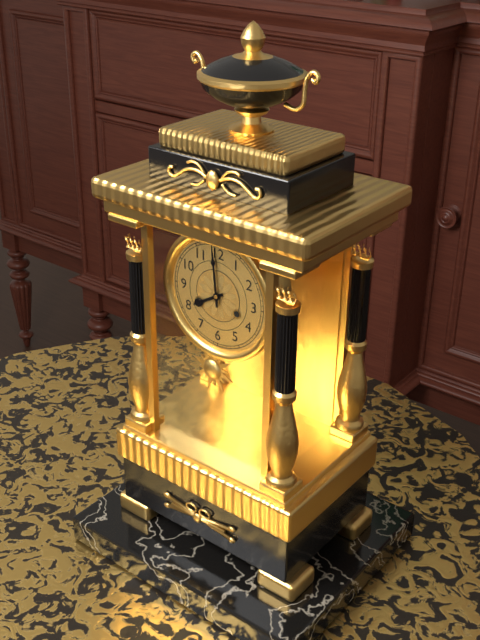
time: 7:59
